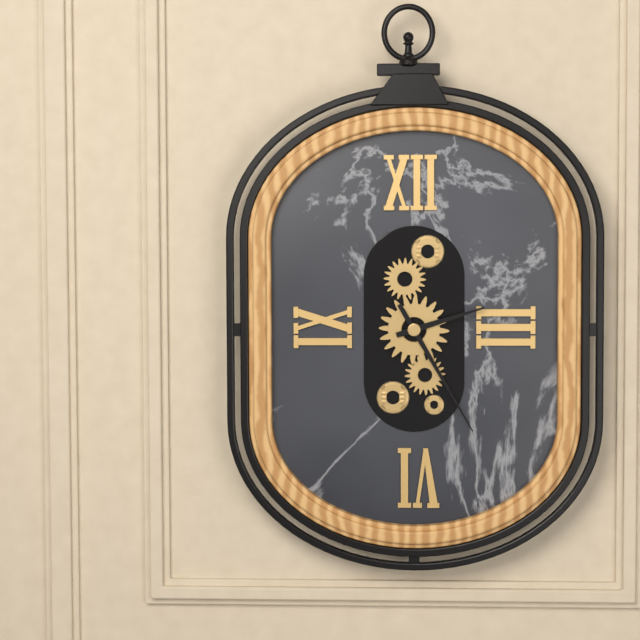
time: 2:25
